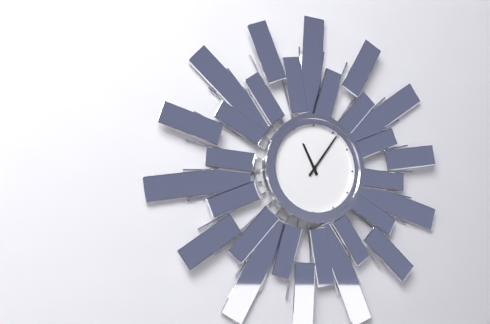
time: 11:06
